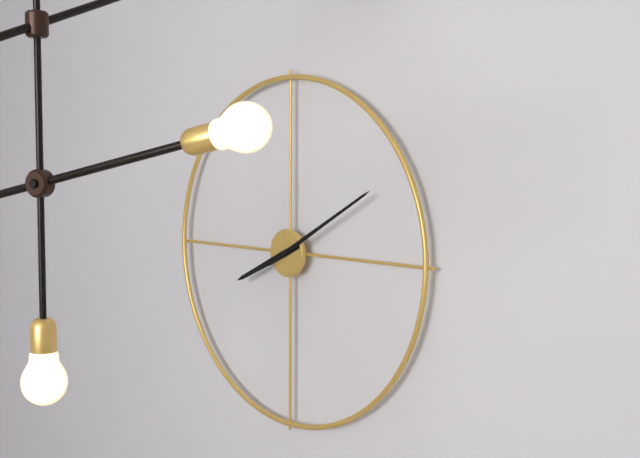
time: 8:10
